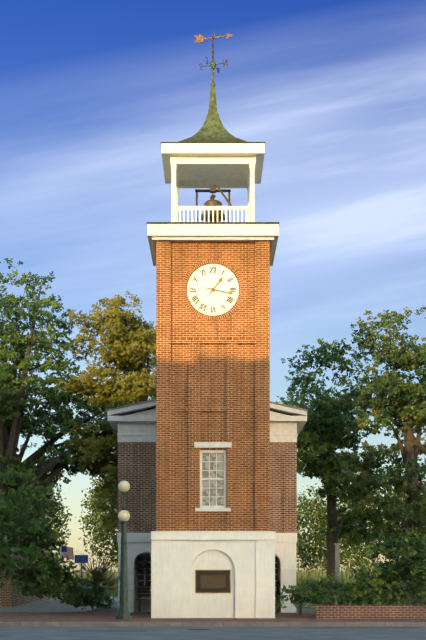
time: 1:17
